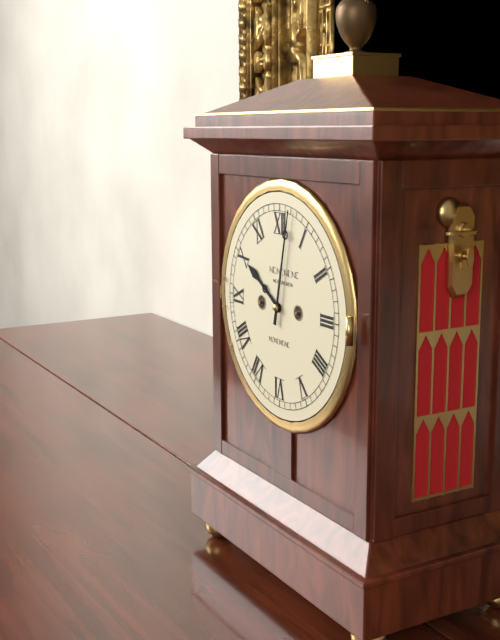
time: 10:02
